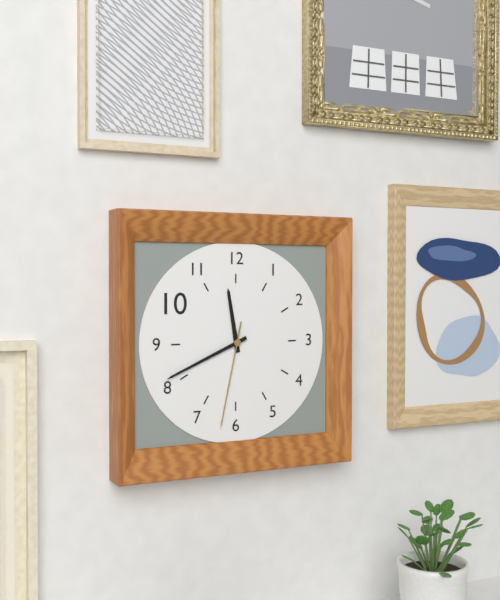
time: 11:41:32
